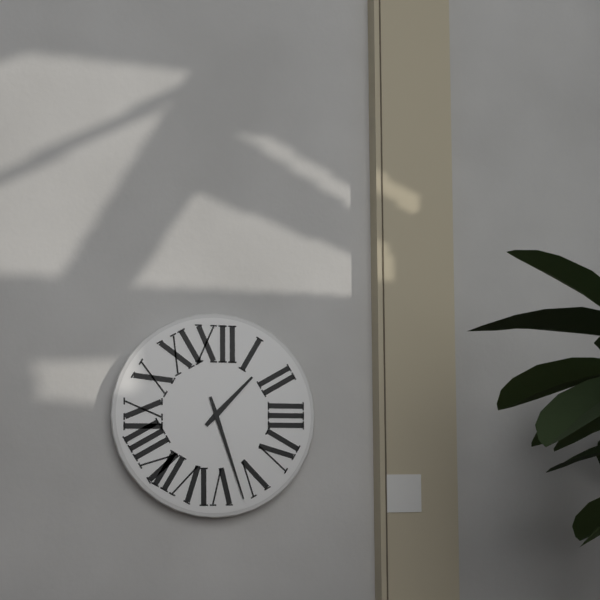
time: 1:27
